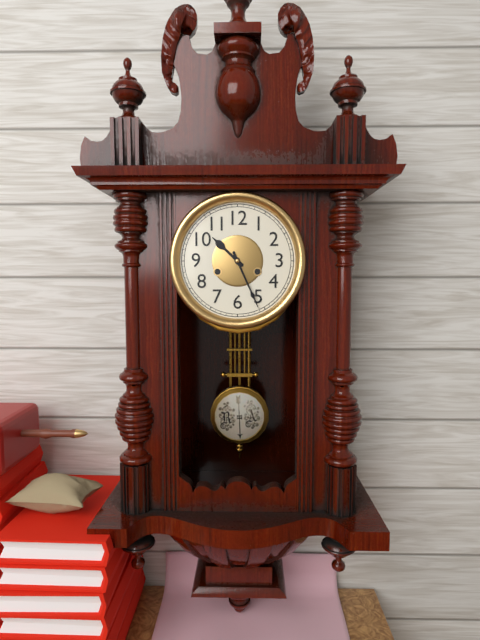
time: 10:26
